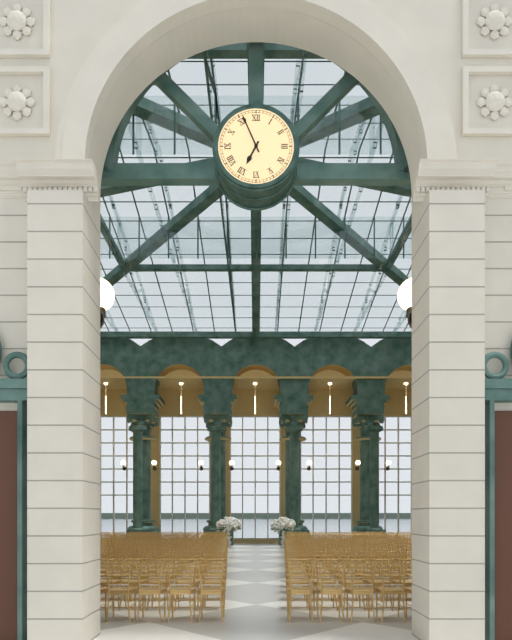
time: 6:56
